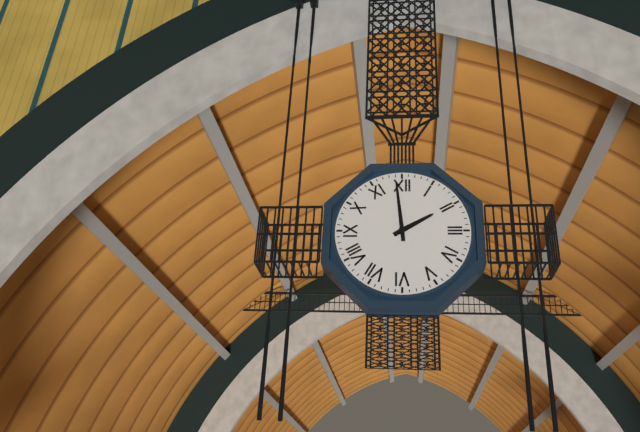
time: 1:59
